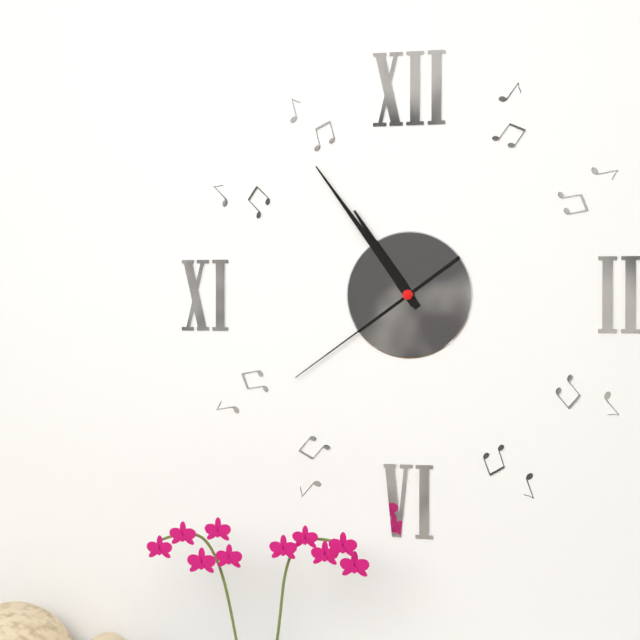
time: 10:54:39
